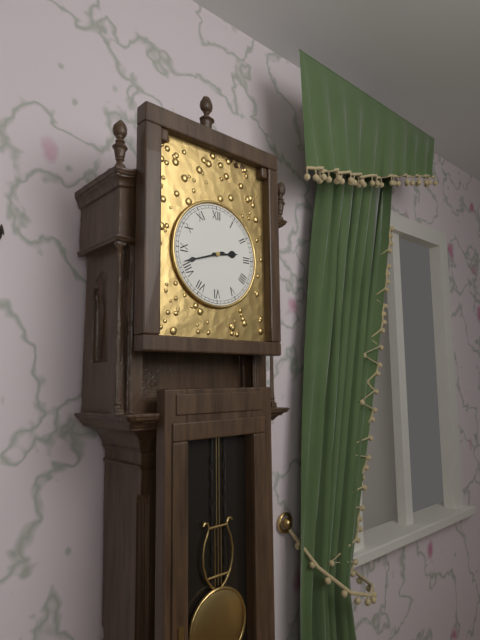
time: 2:42
